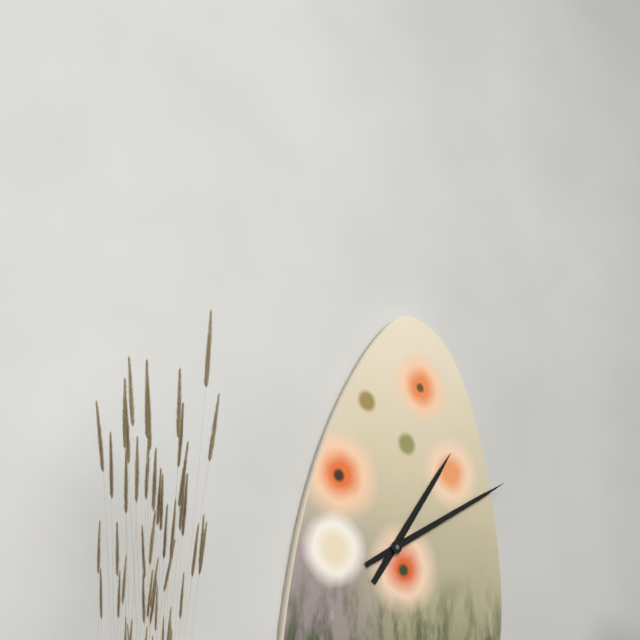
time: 1:10
